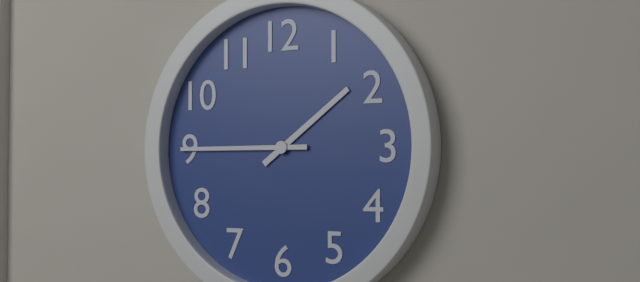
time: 1:45
